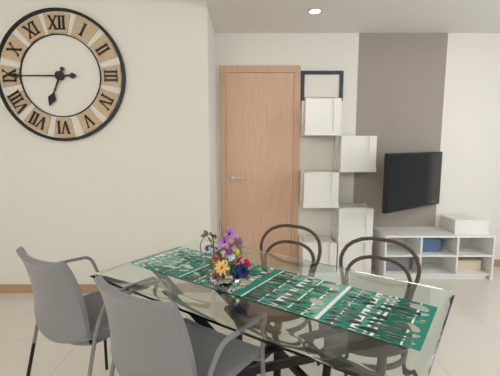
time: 6:45
